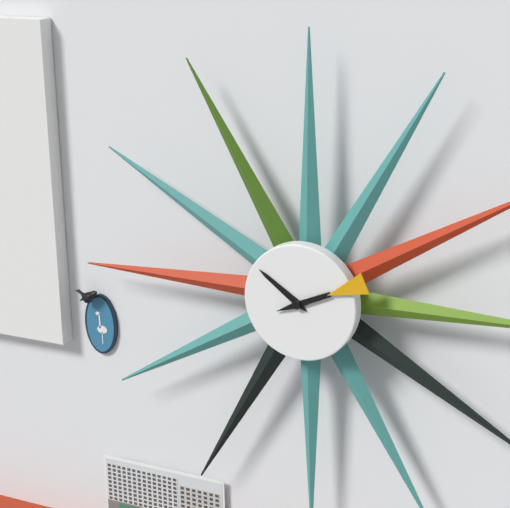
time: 10:11
